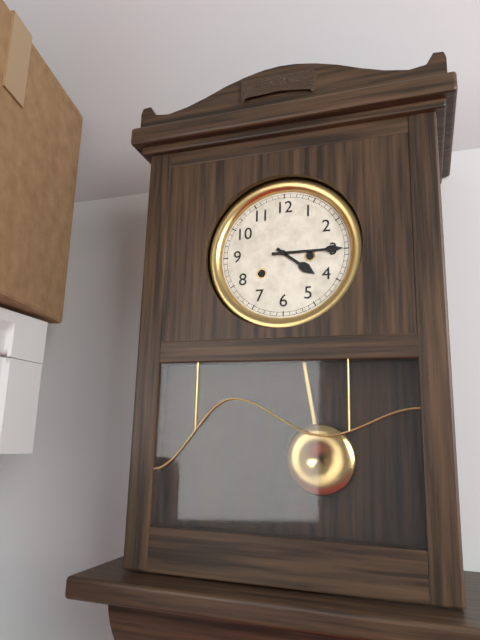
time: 4:15
